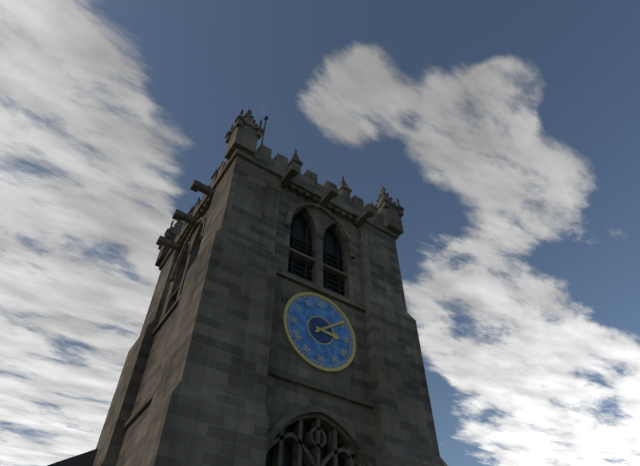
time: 3:09
